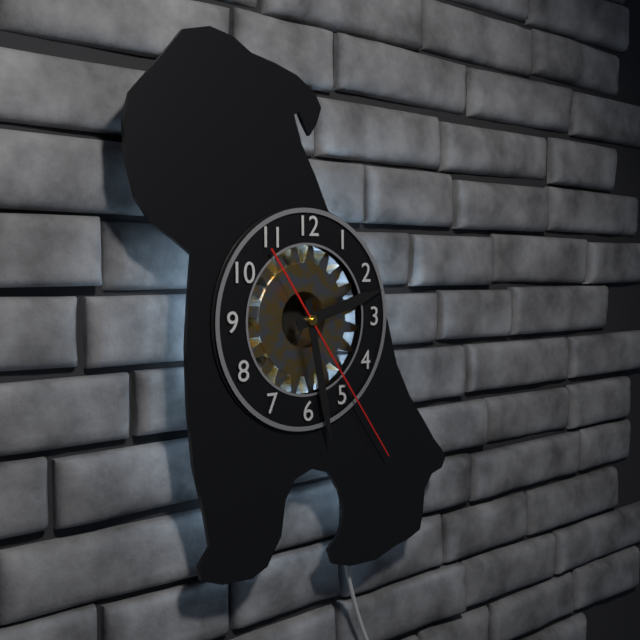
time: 2:28:24
